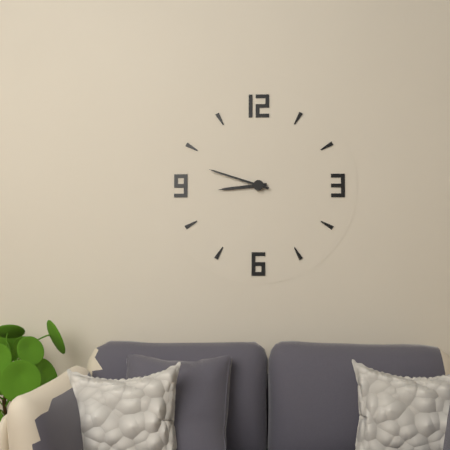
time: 8:48
